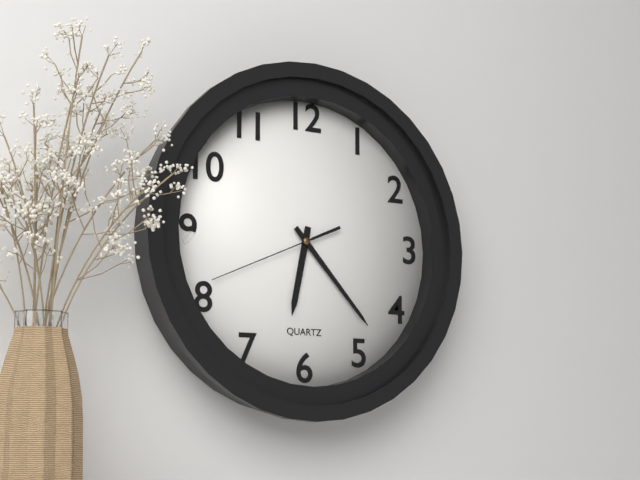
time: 6:23:41
